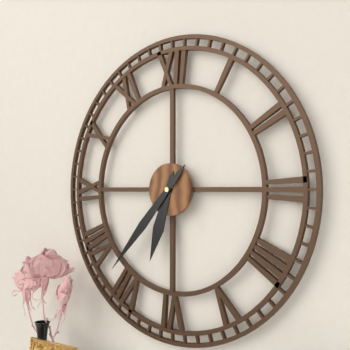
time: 6:37
